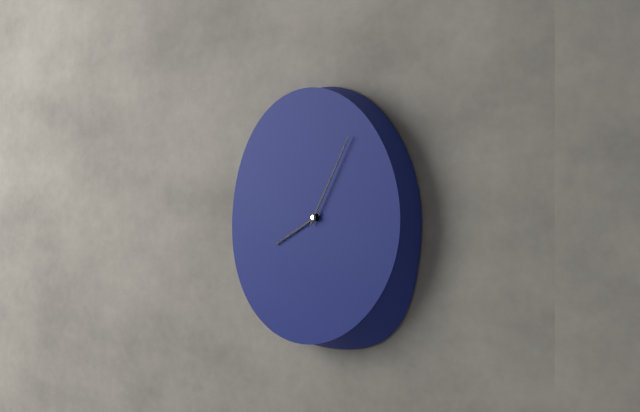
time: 8:05
